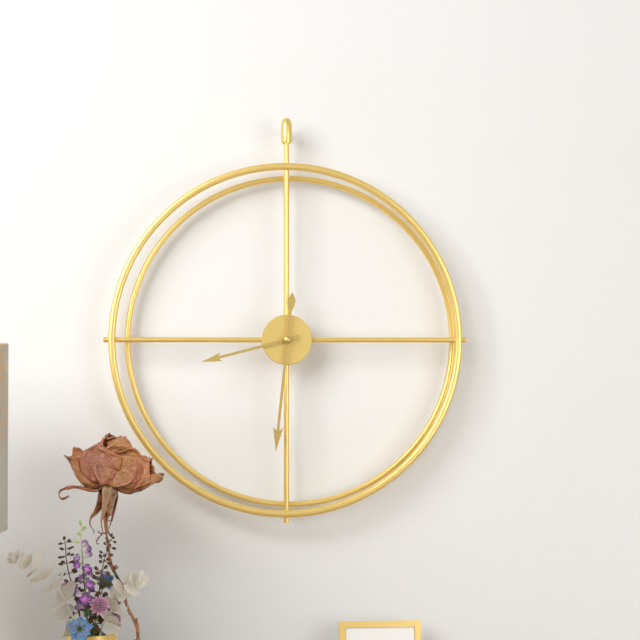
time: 8:31
